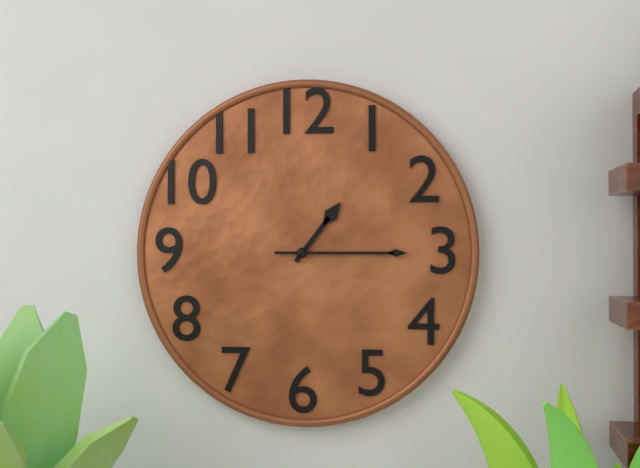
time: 1:15
